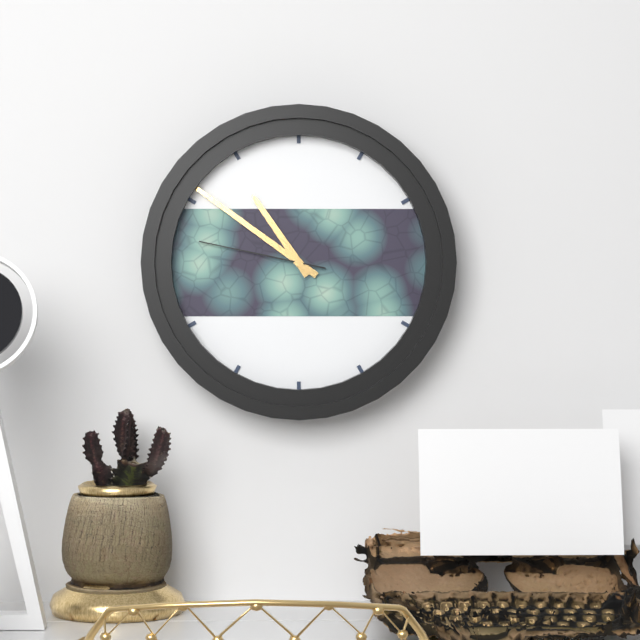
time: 10:51:47
